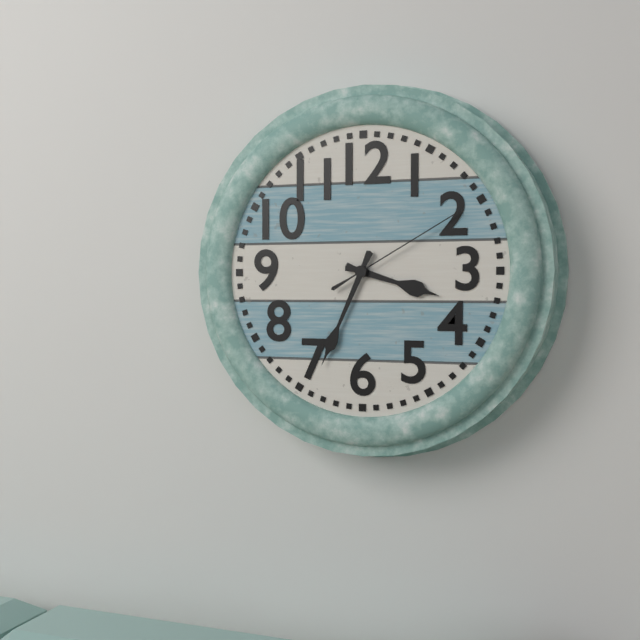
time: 3:34:10
